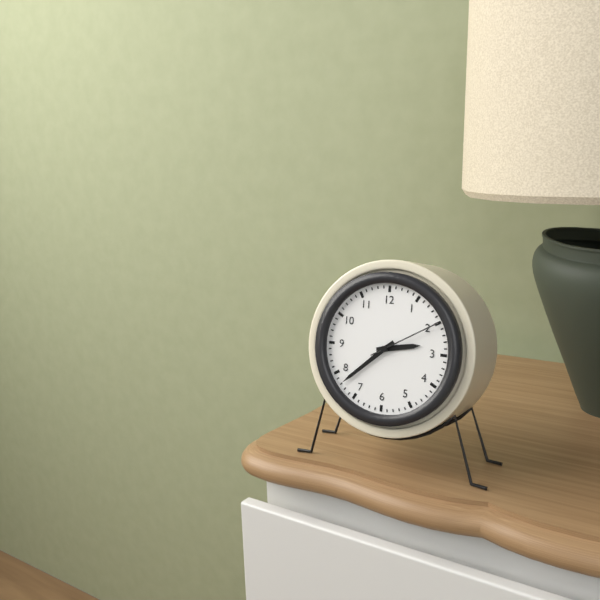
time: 2:38:10
